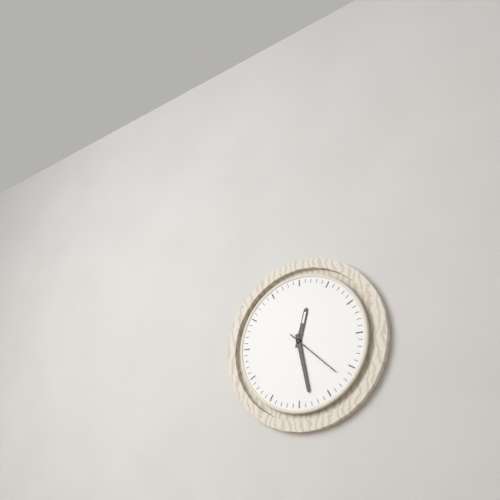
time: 12:28:22
